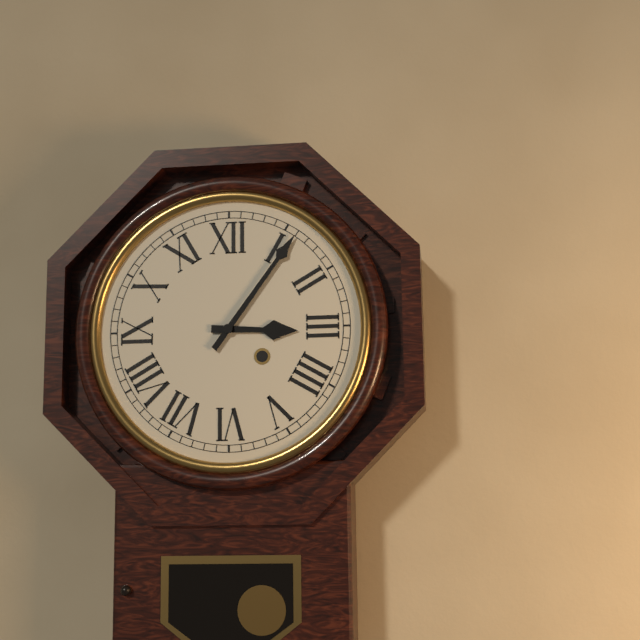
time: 3:06
